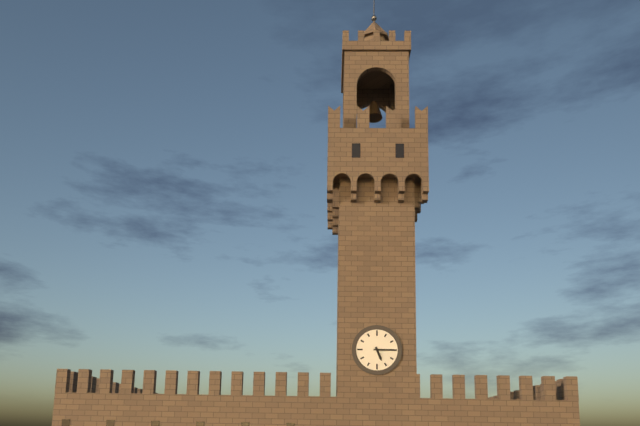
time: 5:15
